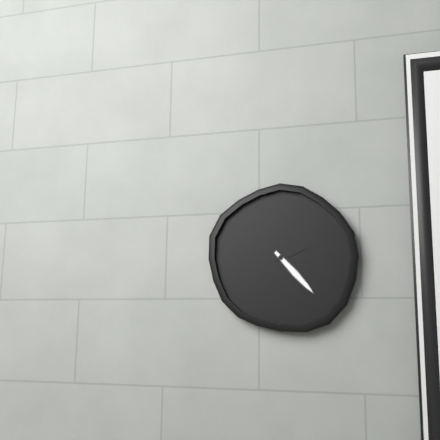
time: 2:23
